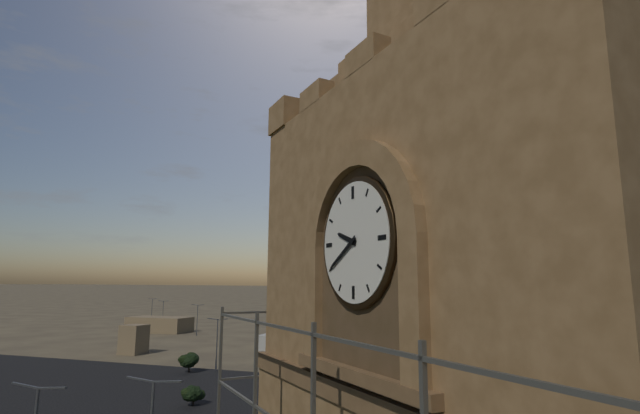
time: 9:40
